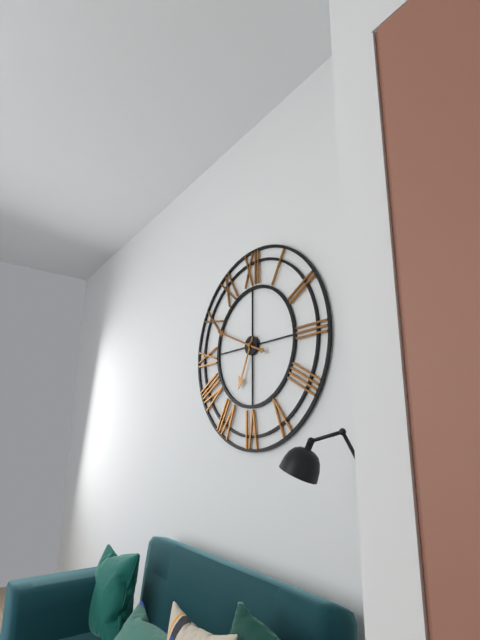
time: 6:49
